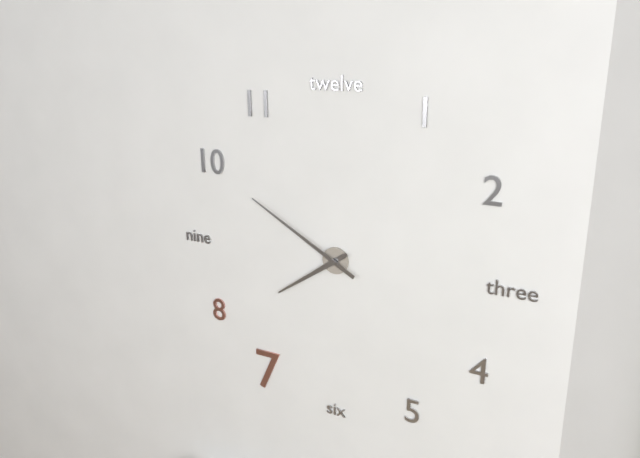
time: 7:50
